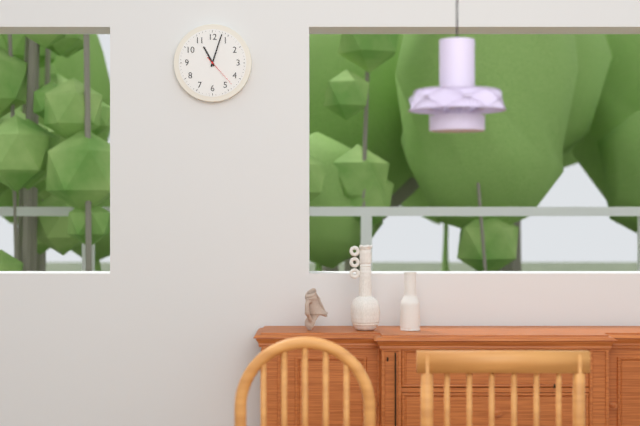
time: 11:03
